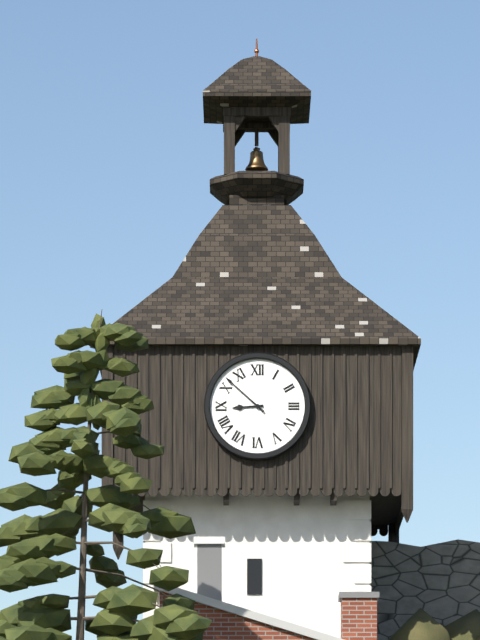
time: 8:52
